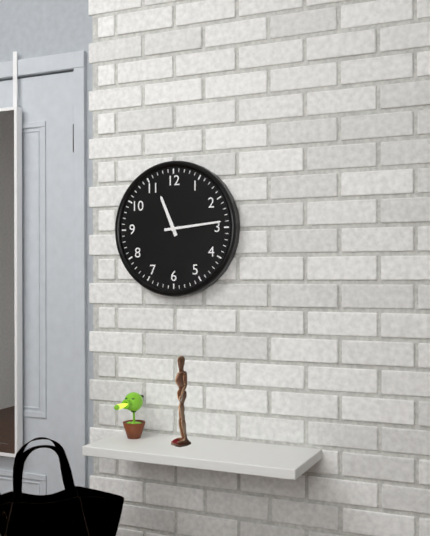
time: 11:14
